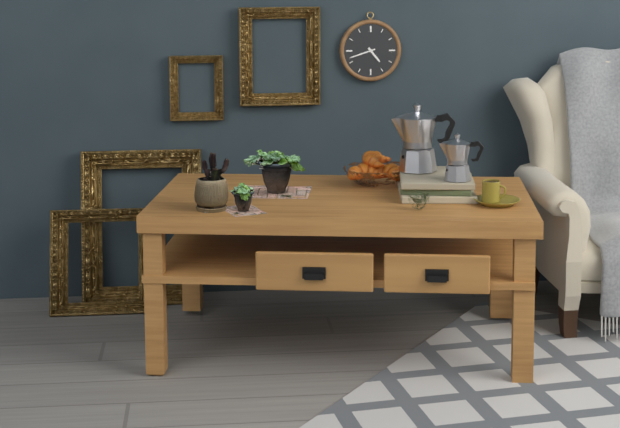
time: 4:42
